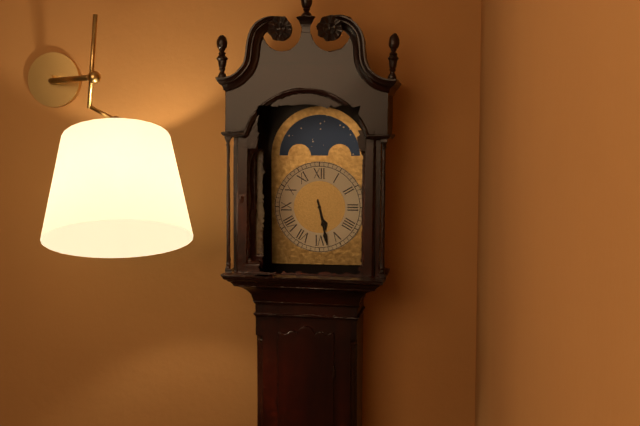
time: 5:28
